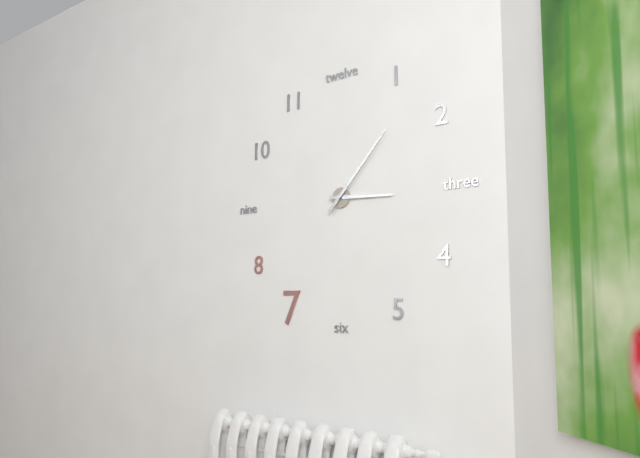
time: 3:07
